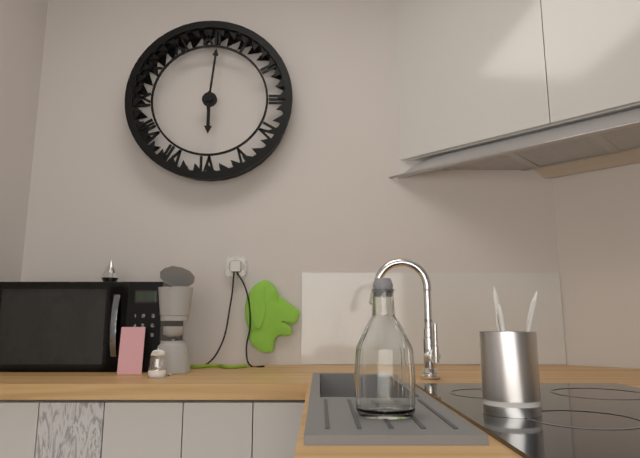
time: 6:01
